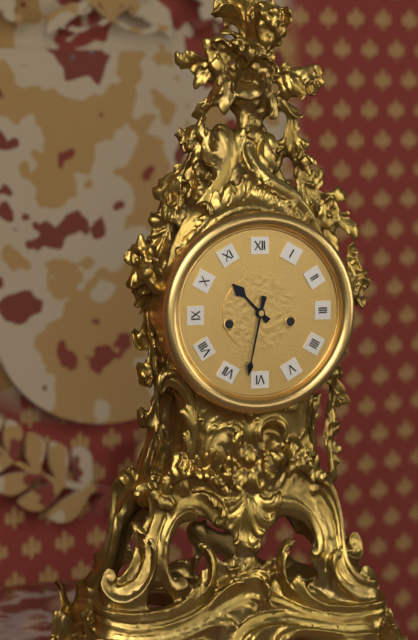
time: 10:32
